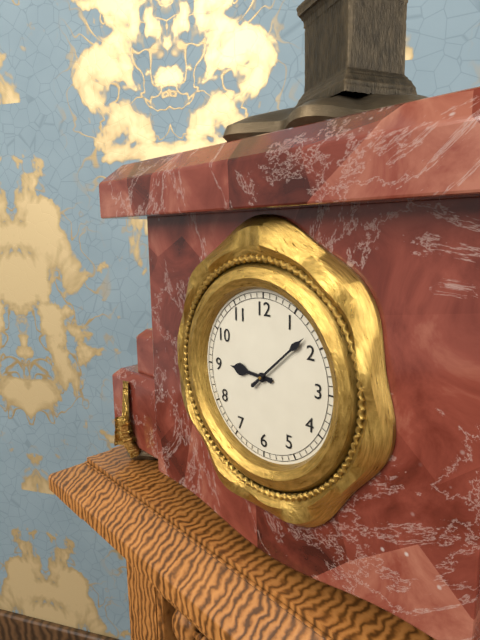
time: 9:08
